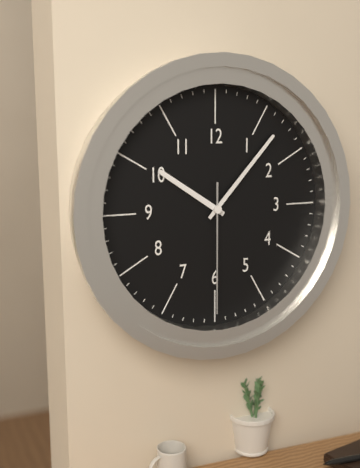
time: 10:07:30
